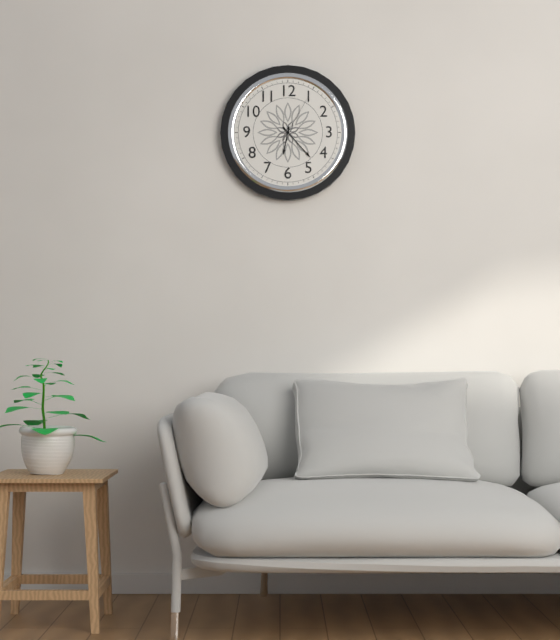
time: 6:23
